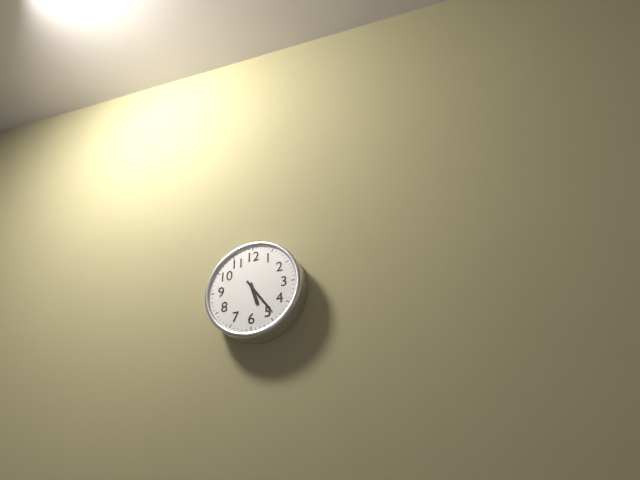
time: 5:24
